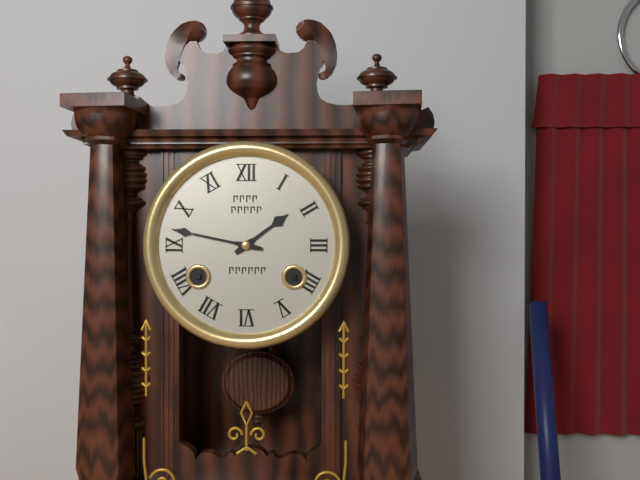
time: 1:47
